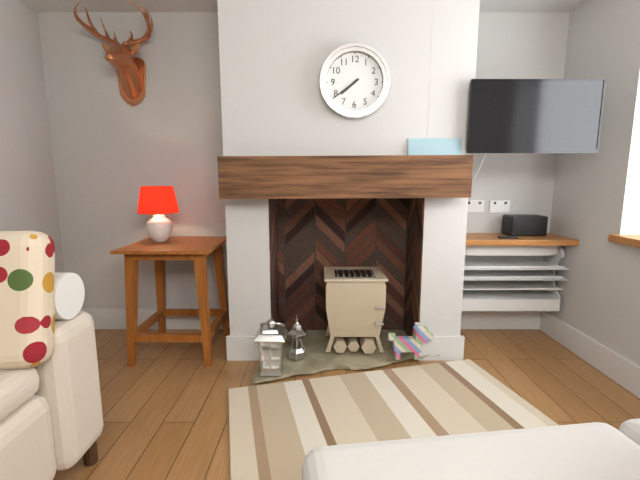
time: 7:39
